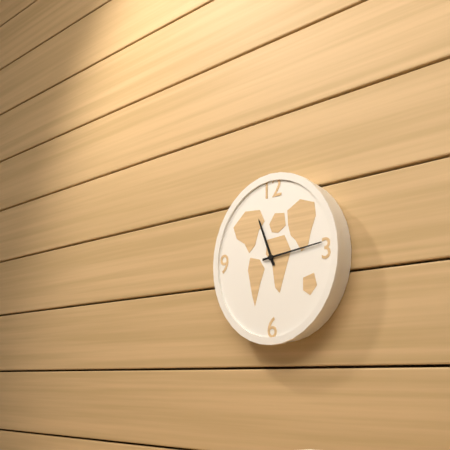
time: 11:14
